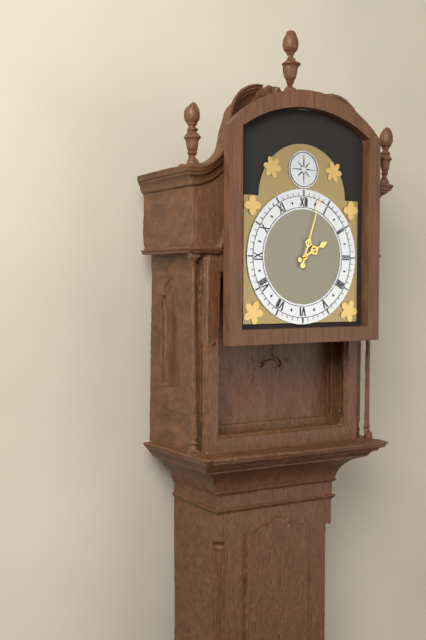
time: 2:03
